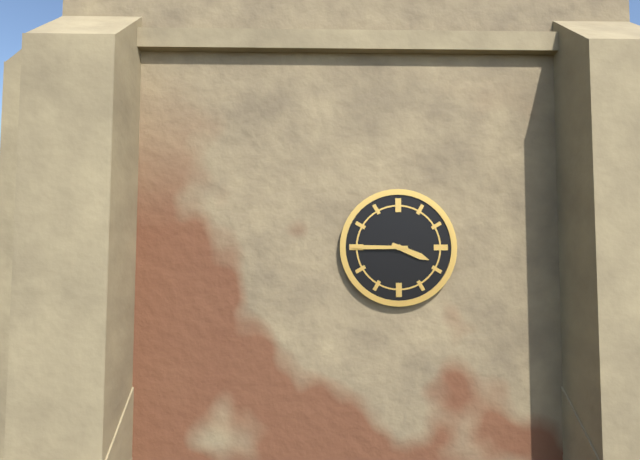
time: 3:45
